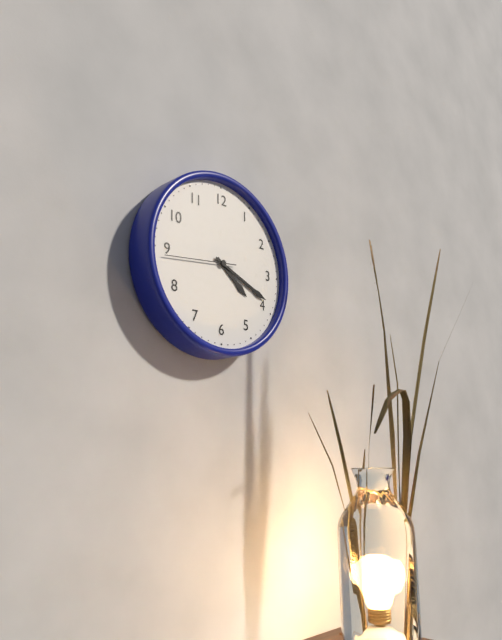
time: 4:19:44
